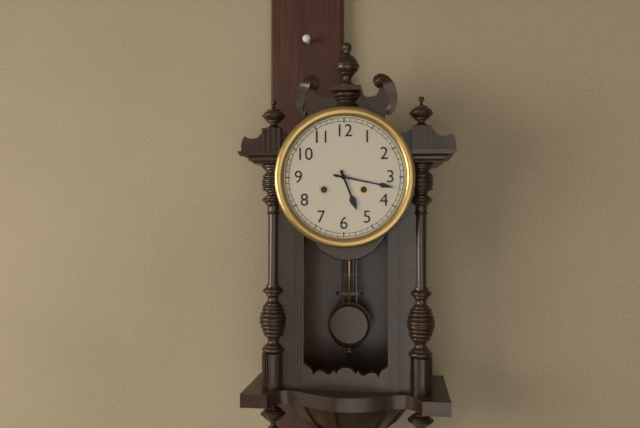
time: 5:17
